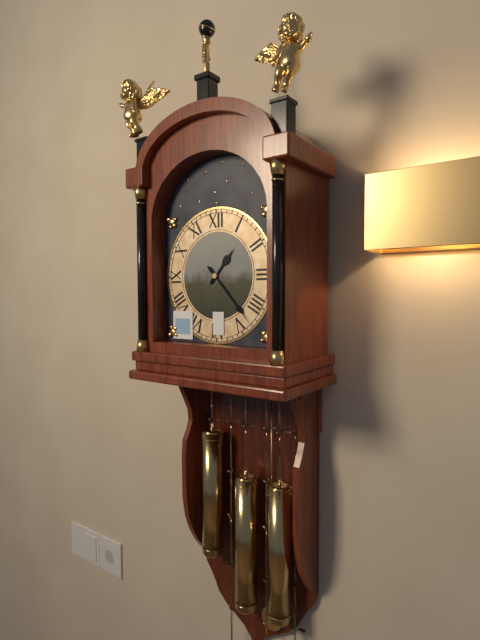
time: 1:23
